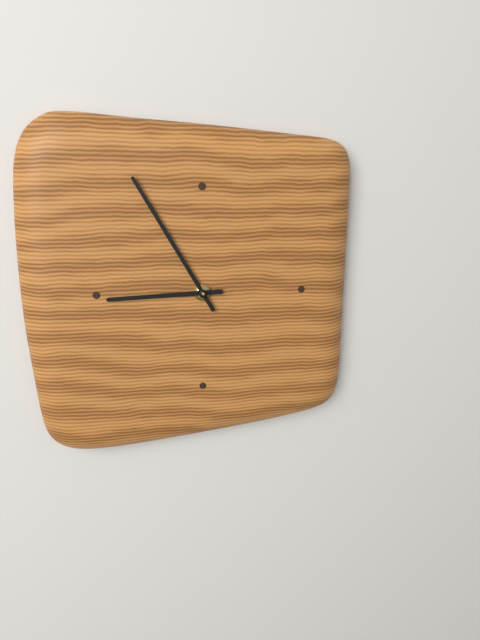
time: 8:55
